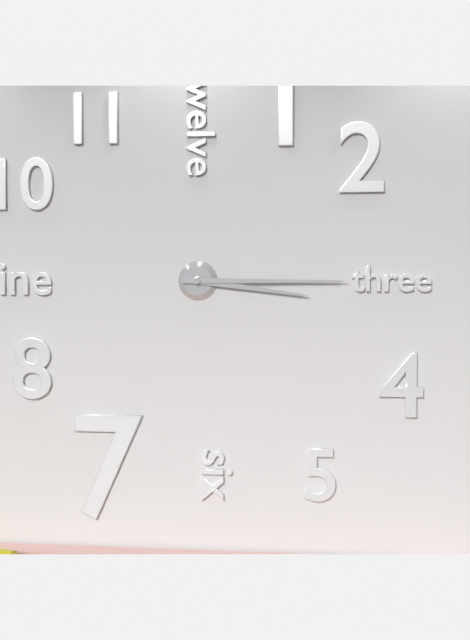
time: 3:15
